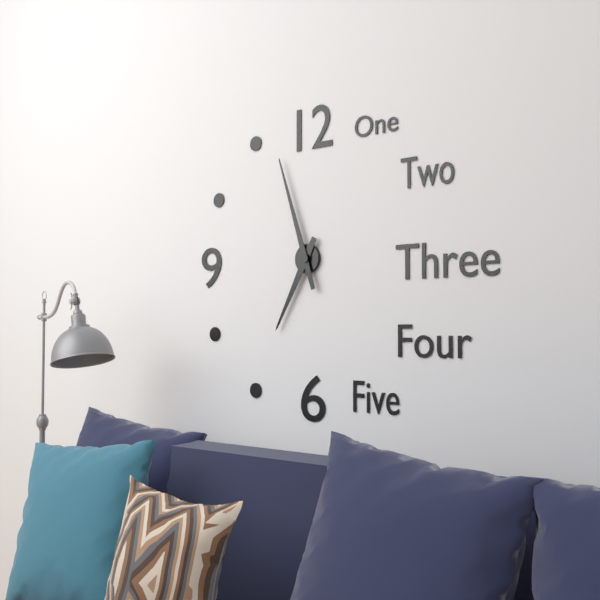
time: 6:57
